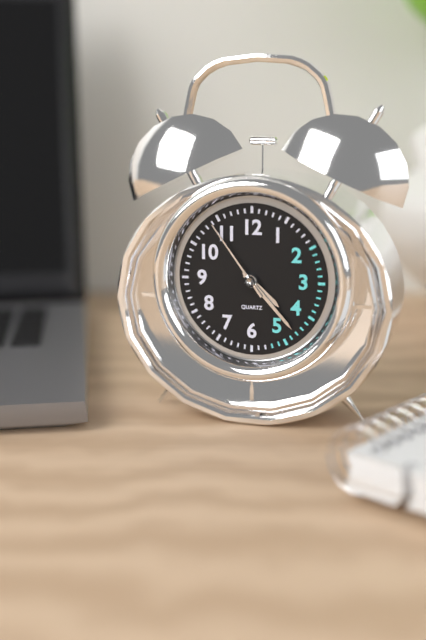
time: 4:23:54
